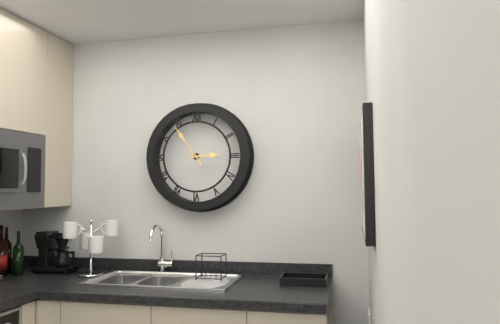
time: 2:54
